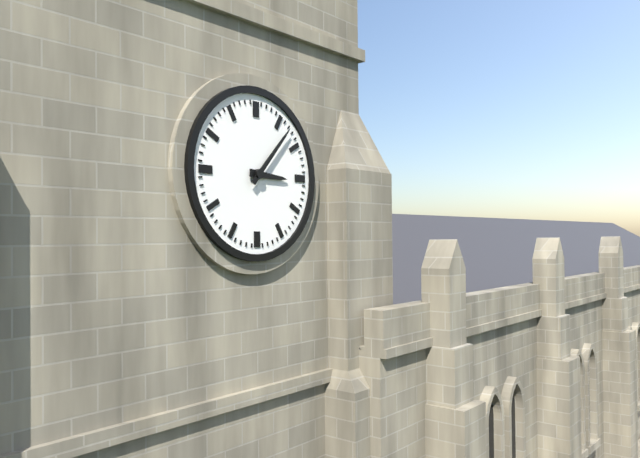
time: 3:07
